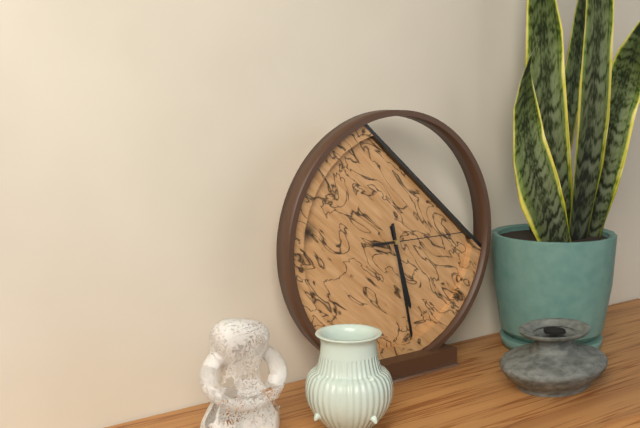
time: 5:28:15
